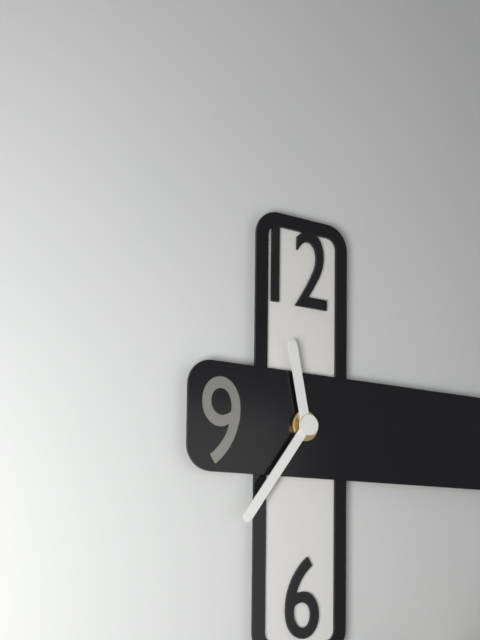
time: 11:36
